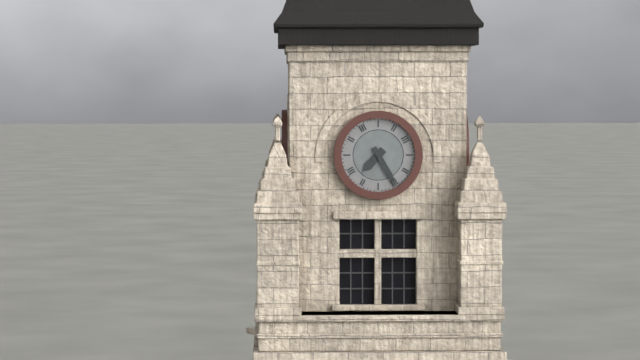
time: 7:25
